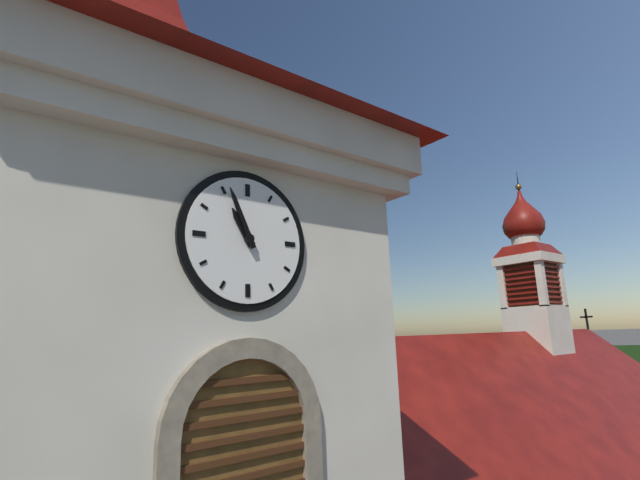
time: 10:56
